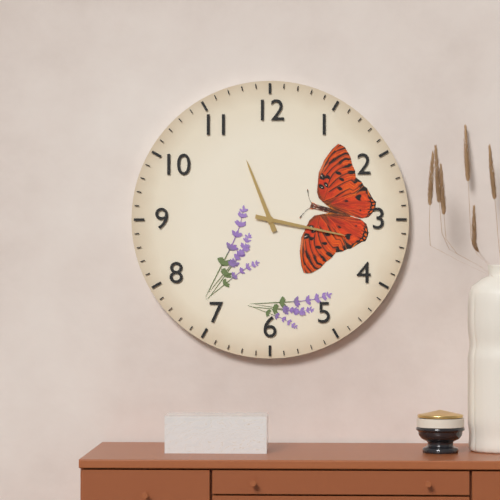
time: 11:17
